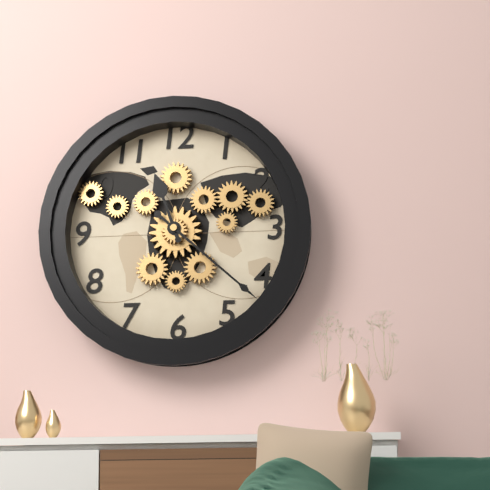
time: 11:22
